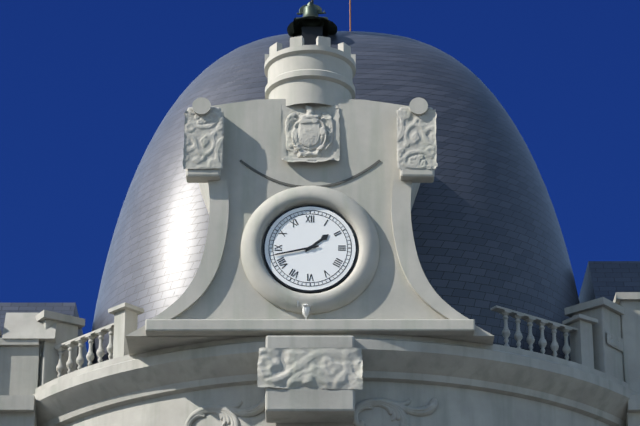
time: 1:43
